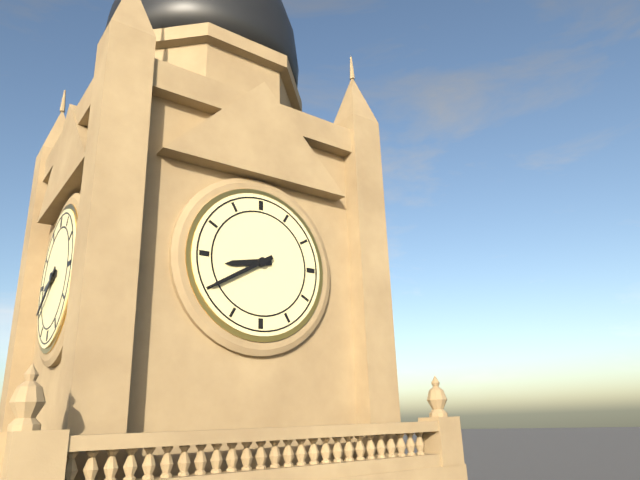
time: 8:40
